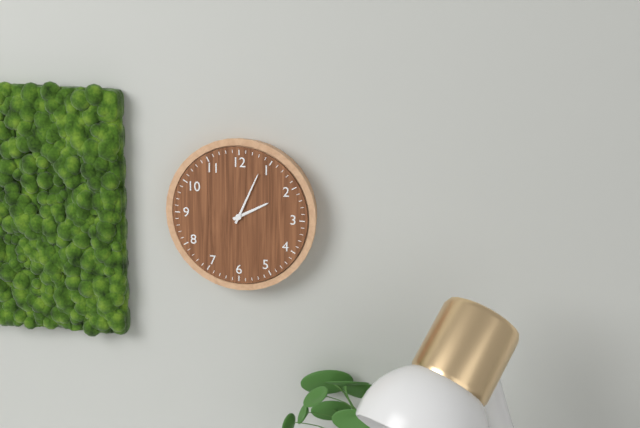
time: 2:04
